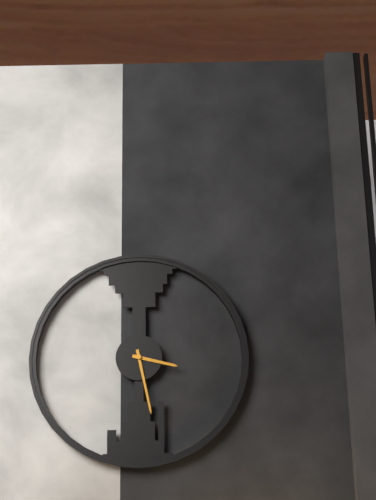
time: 3:28
